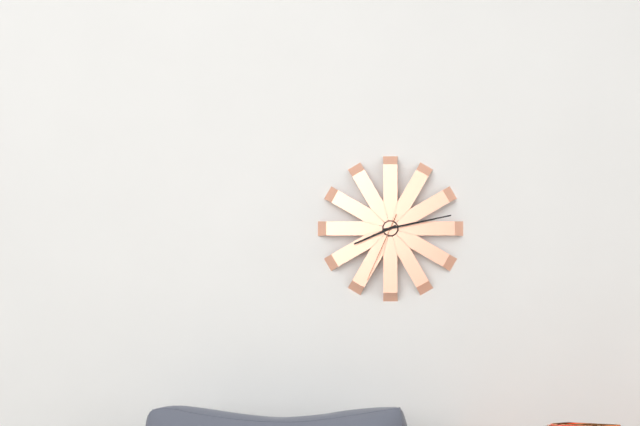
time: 8:13:34
